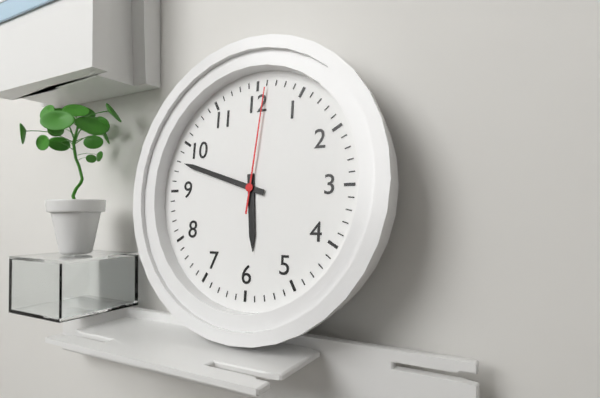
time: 5:48:01
